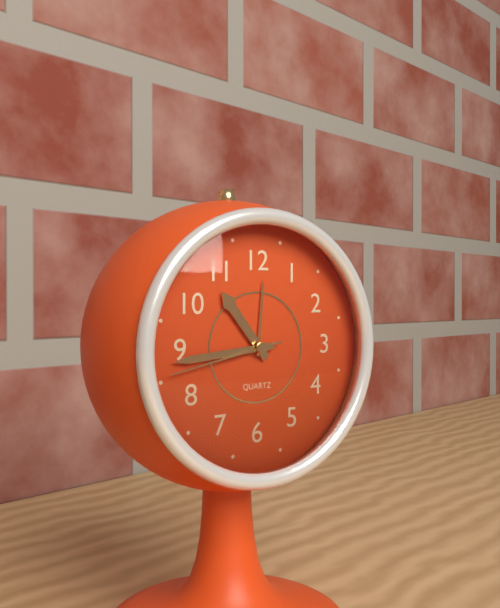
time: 10:44:43
